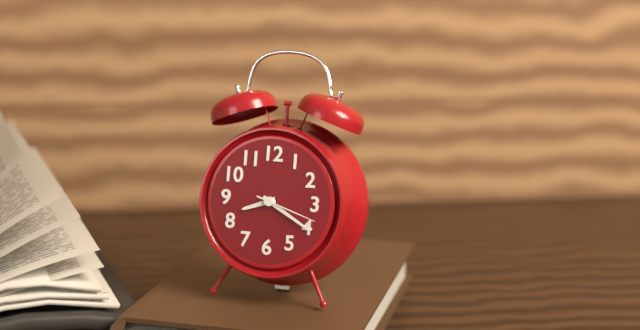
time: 8:20:18
